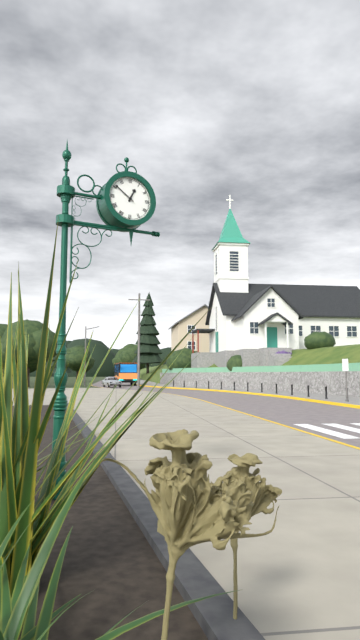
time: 12:51
